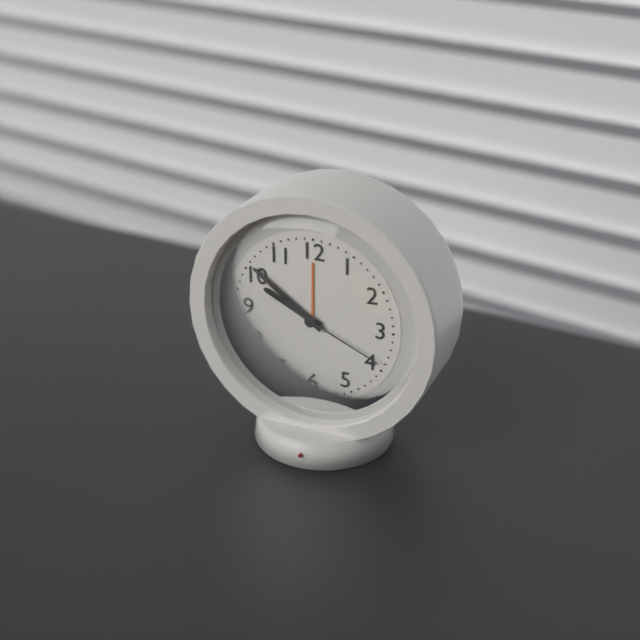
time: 9:51:19
